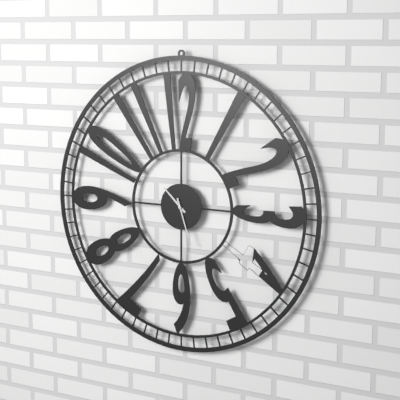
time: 10:27
